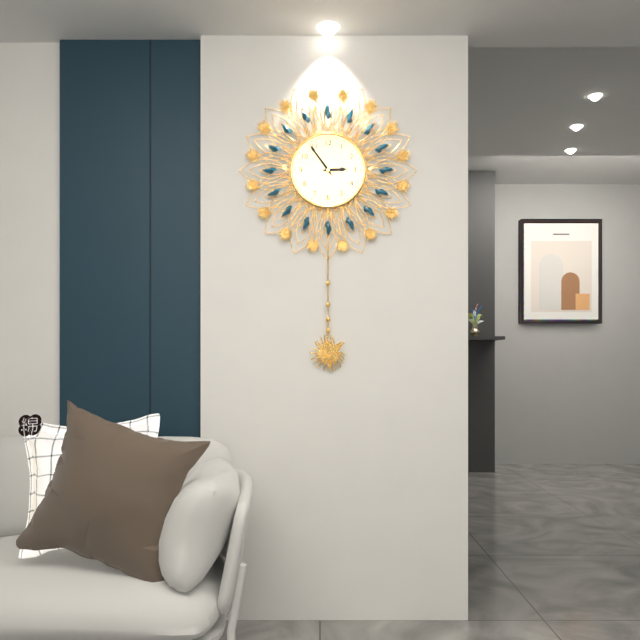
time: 2:54
